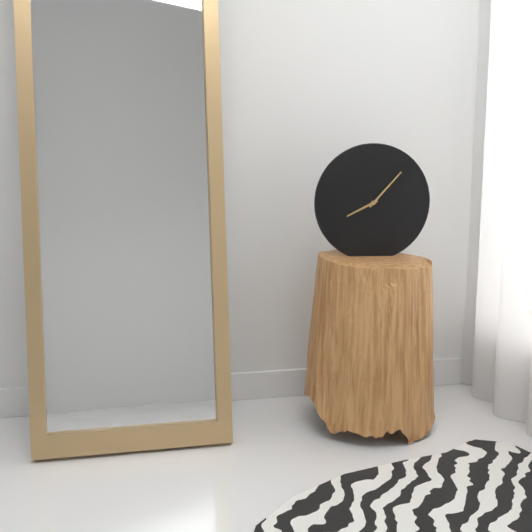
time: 8:07
